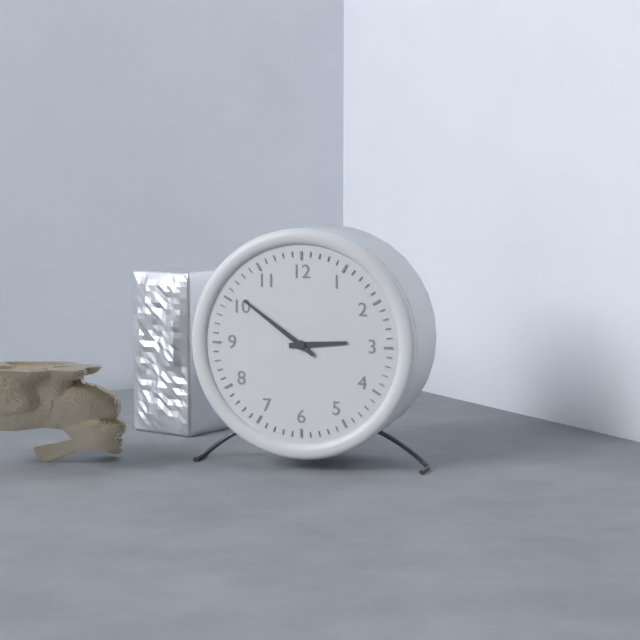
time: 2:51
